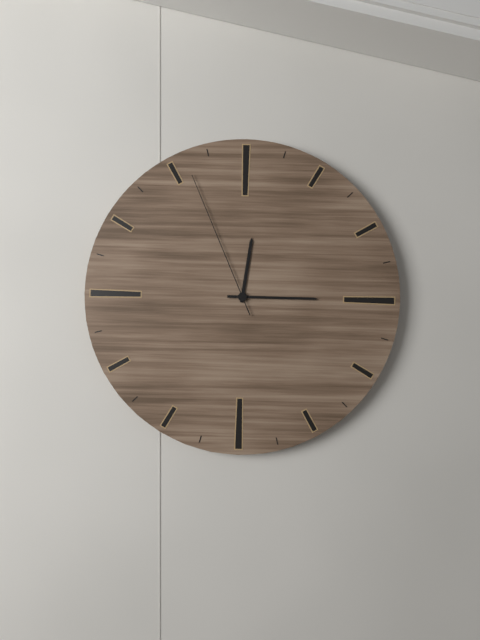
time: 12:15:56
